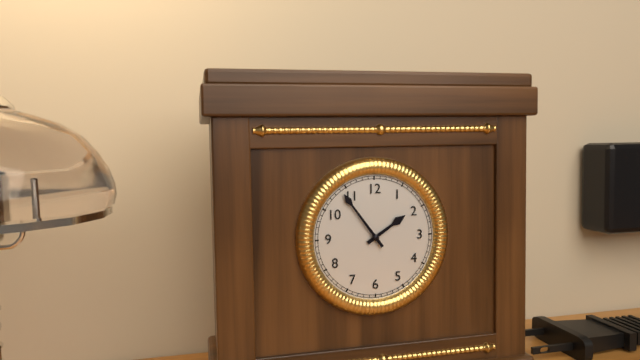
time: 1:54
